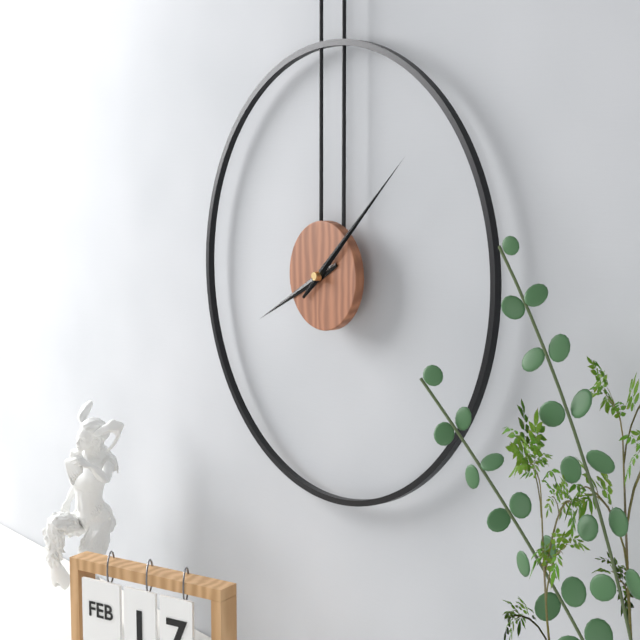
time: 8:08
